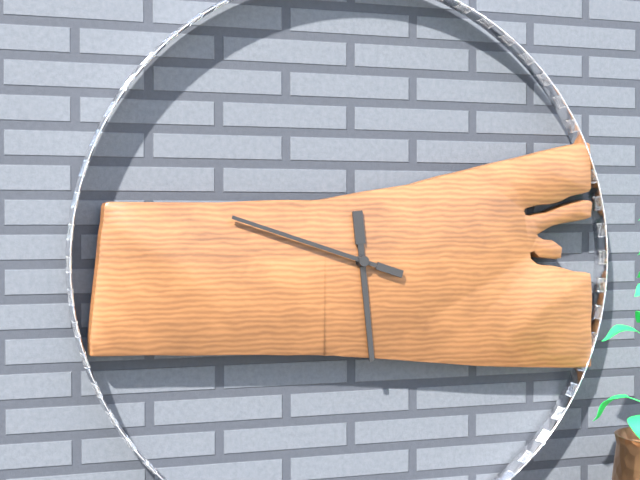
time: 5:48
